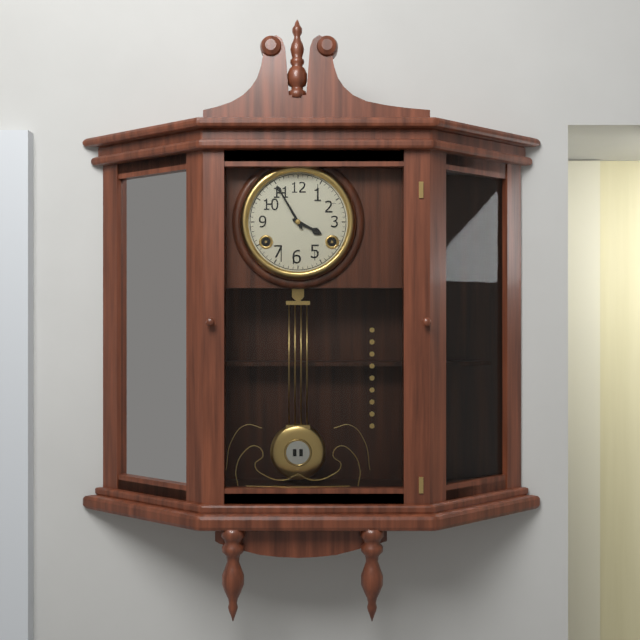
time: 3:55
